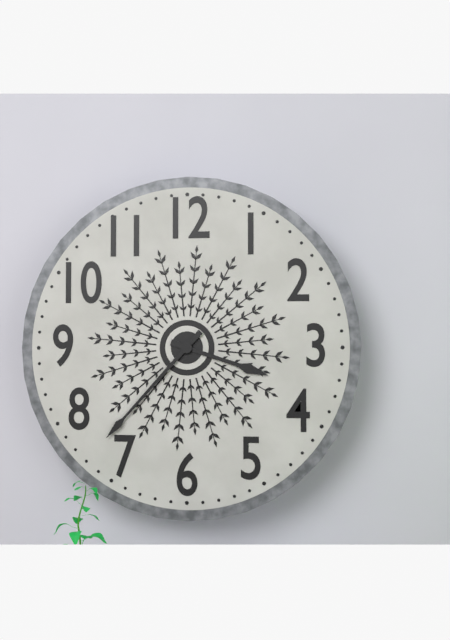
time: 3:37
